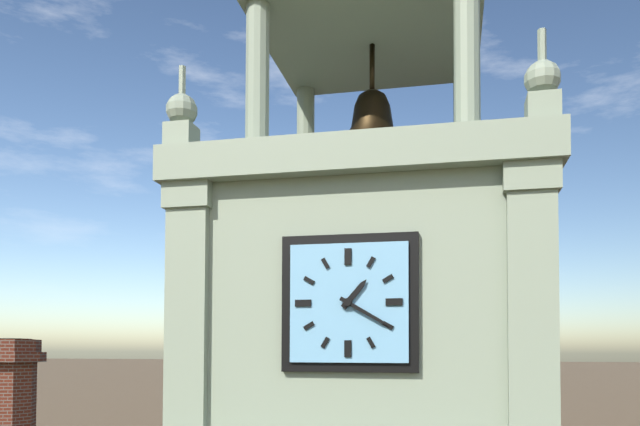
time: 1:20
